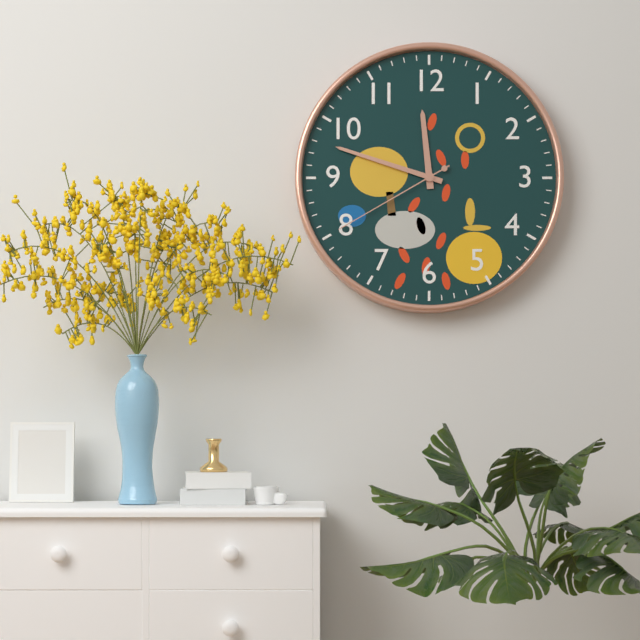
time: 11:48:40
